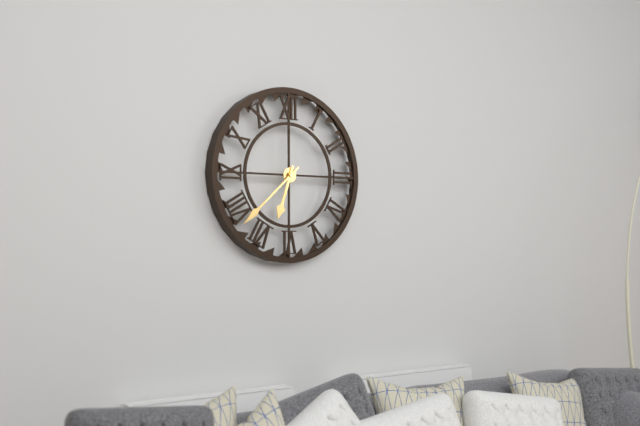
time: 6:38
